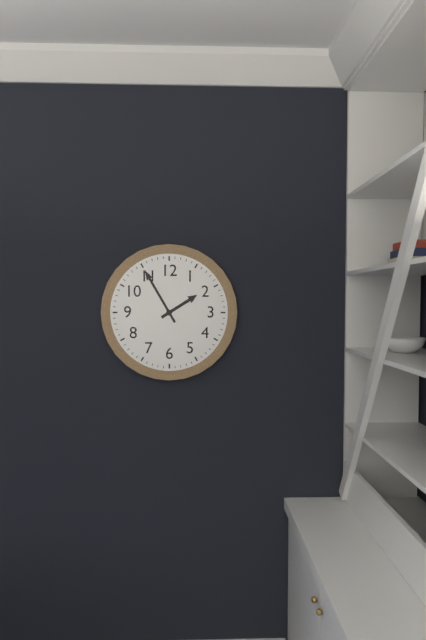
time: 1:55
